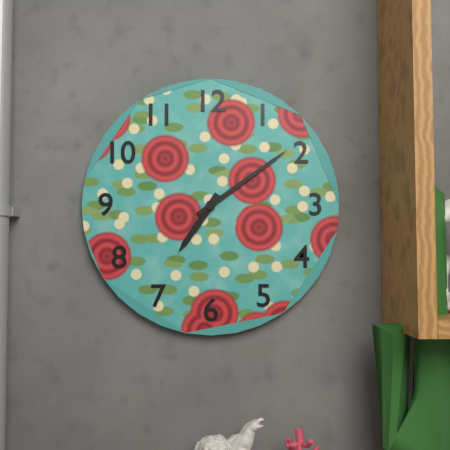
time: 7:09
